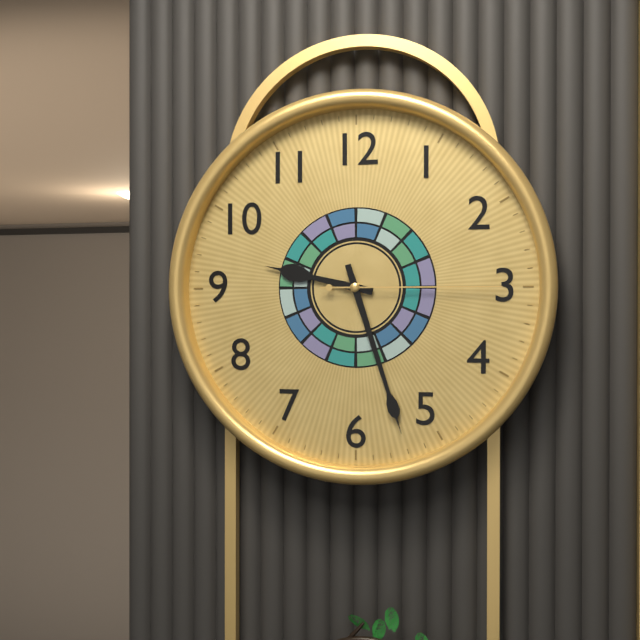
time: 9:27:15
